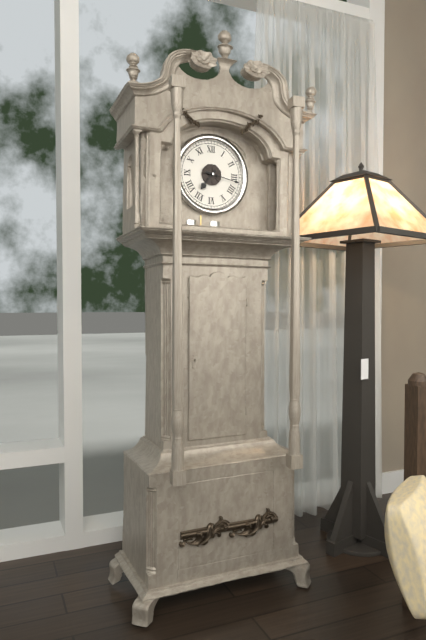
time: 7:17
